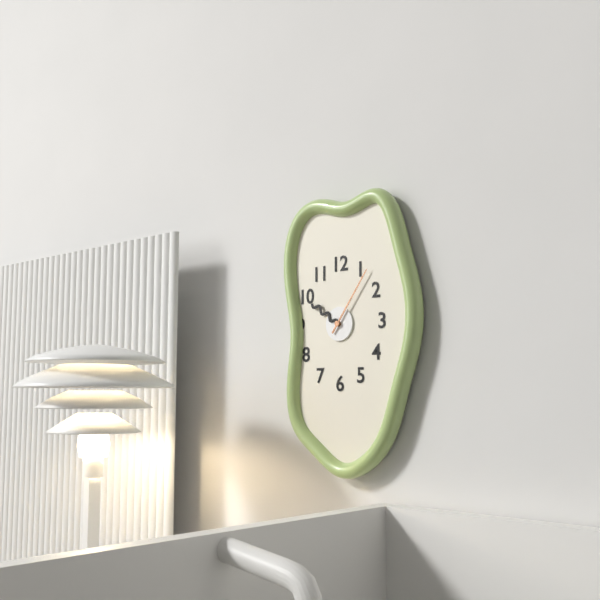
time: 10:06
